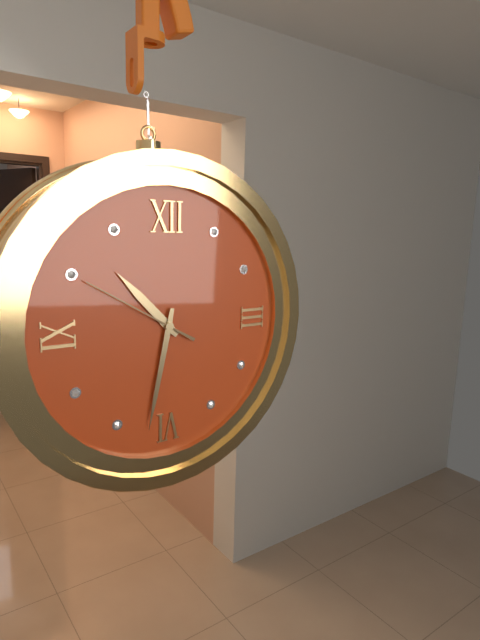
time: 10:32:50
